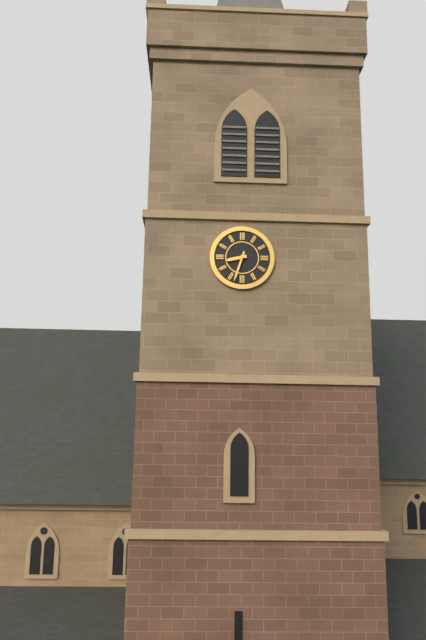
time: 8:33
